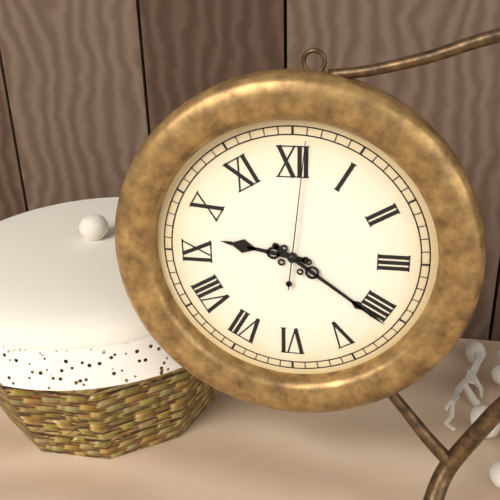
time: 9:21:01
